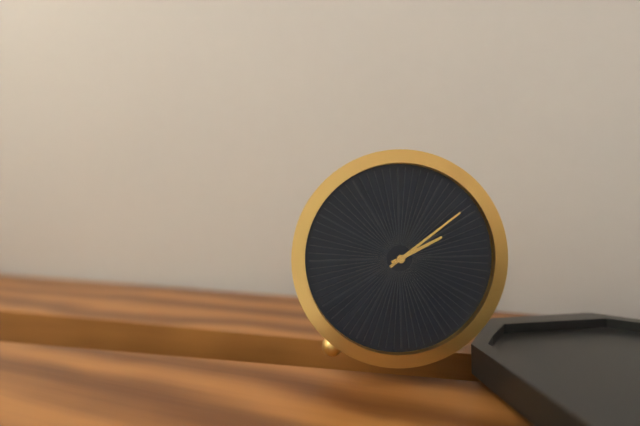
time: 2:09
